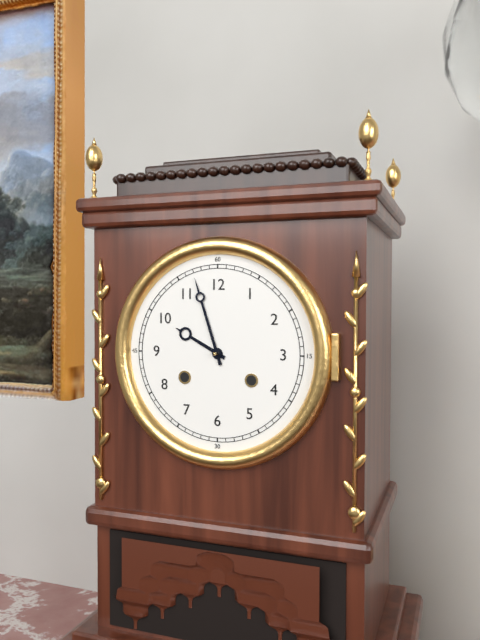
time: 9:57
